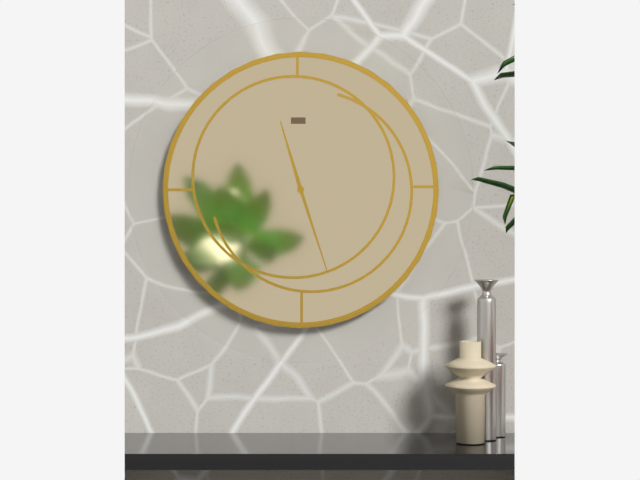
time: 11:27
